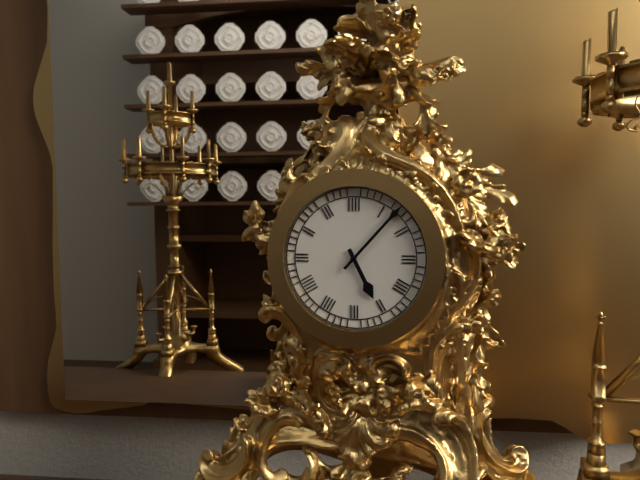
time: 5:07
